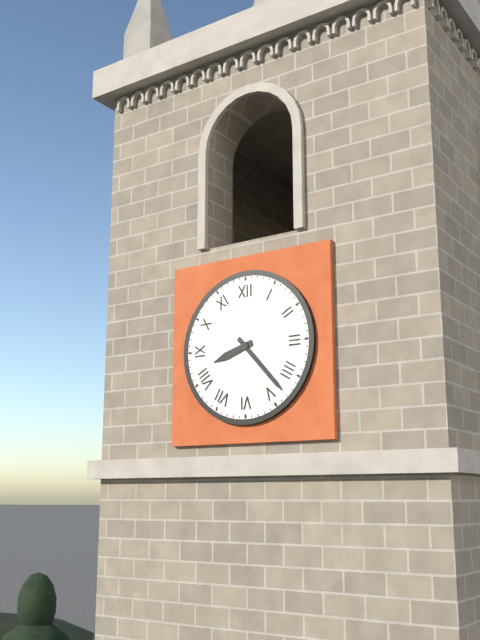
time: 8:23
